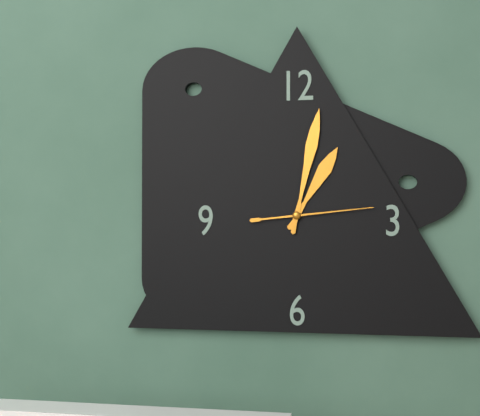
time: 1:02:14
